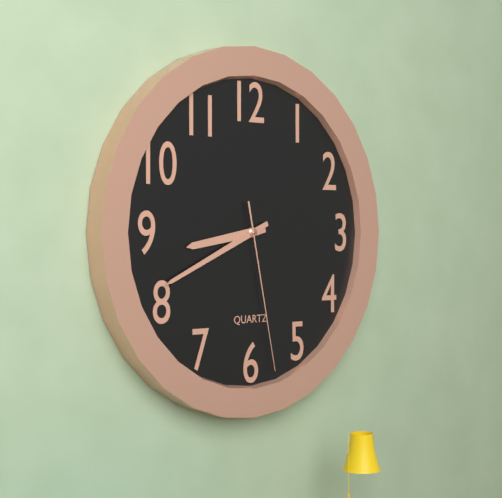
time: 8:41:28
